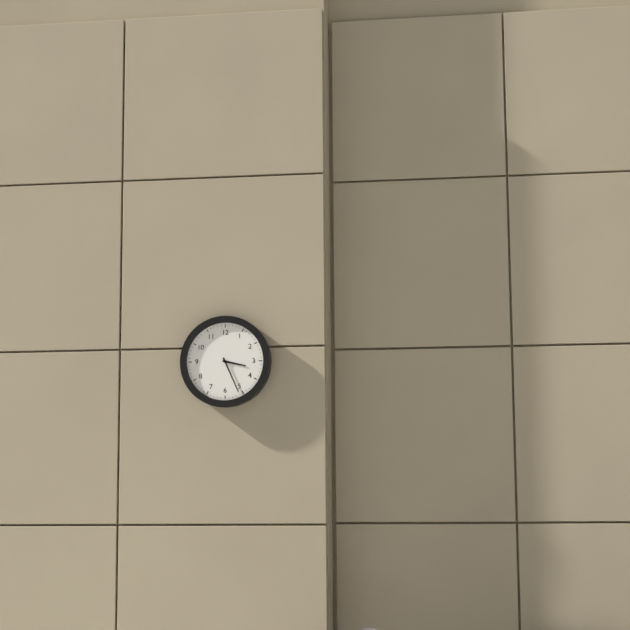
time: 3:26
